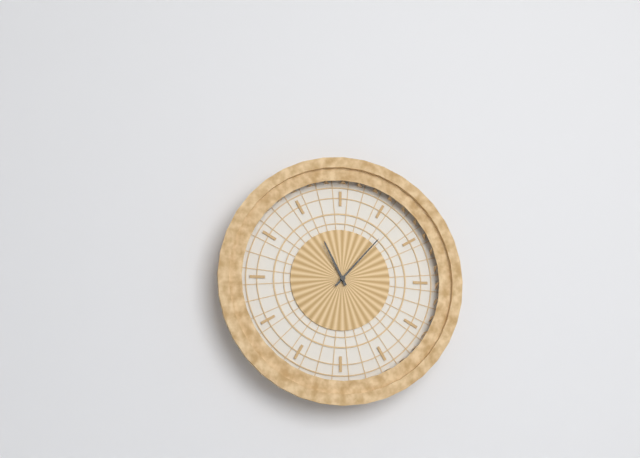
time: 11:07
